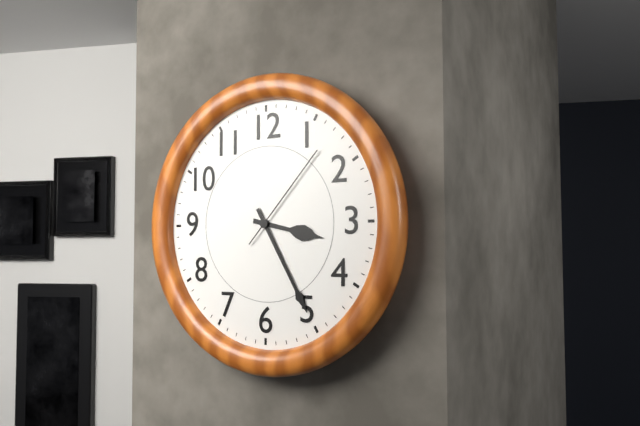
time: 3:25:07
